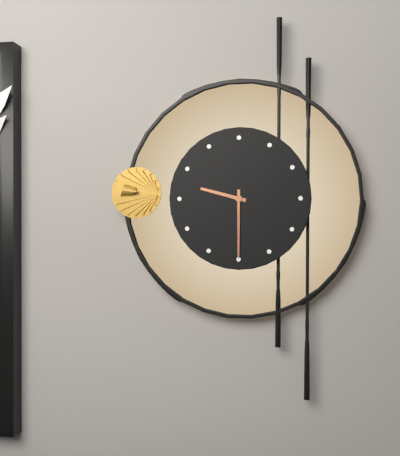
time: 9:30
